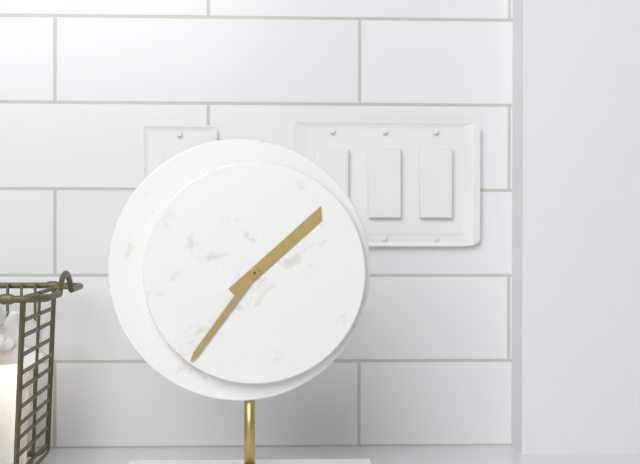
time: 1:36
